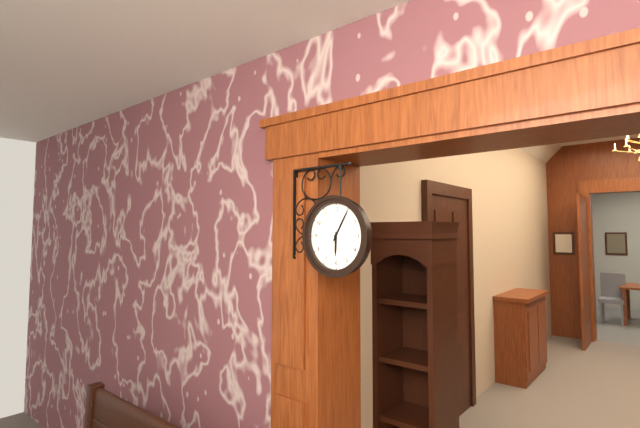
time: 6:05
